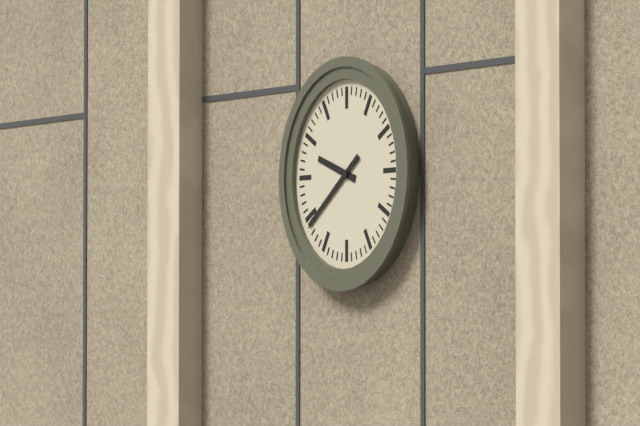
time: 9:39
